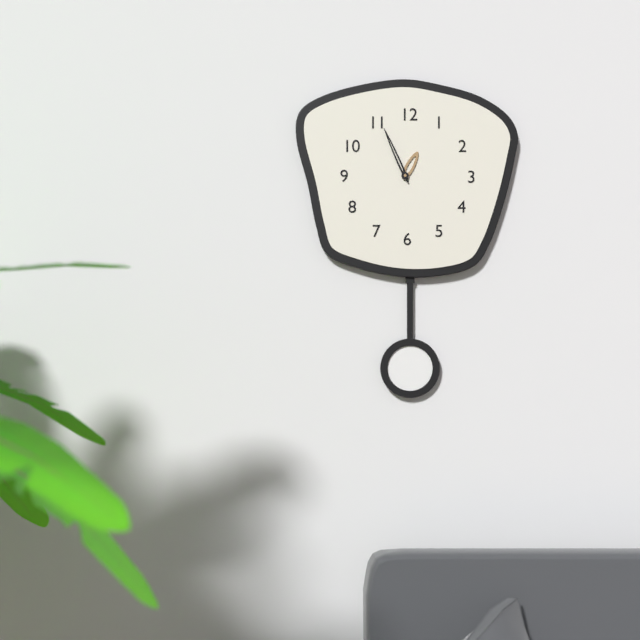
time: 12:56
